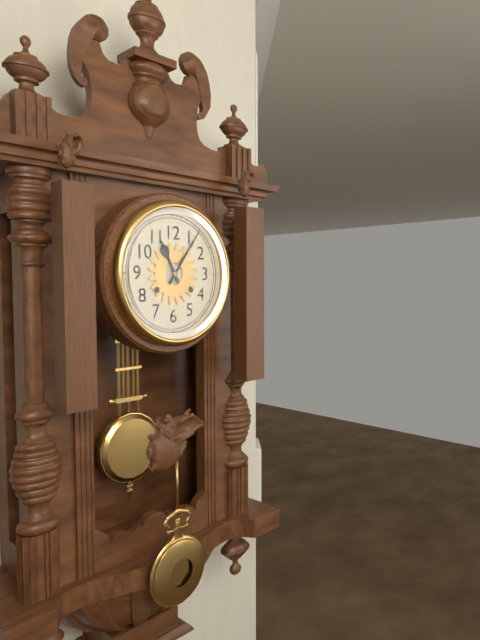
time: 11:06
